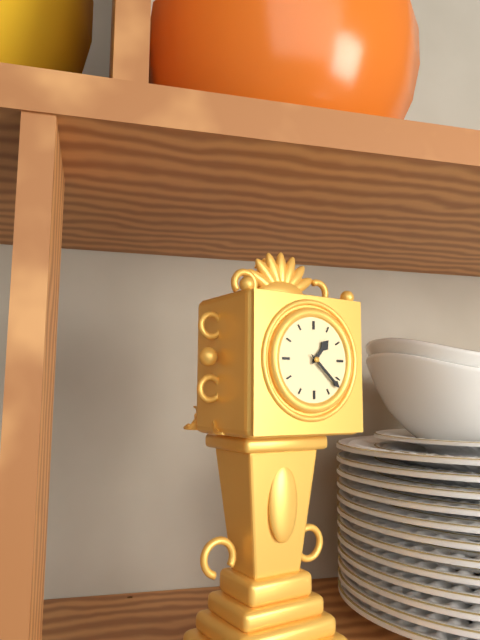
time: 1:22
